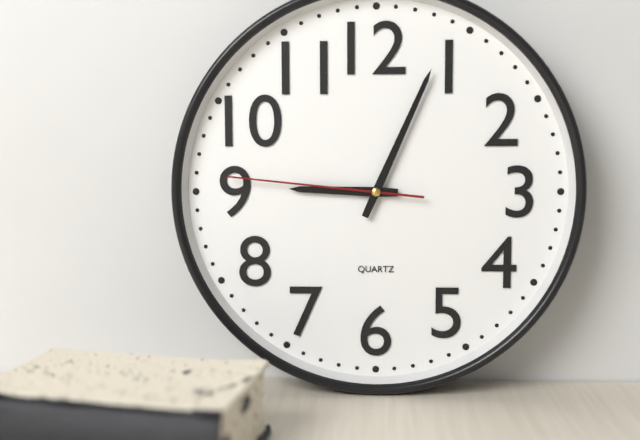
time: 9:04:46
